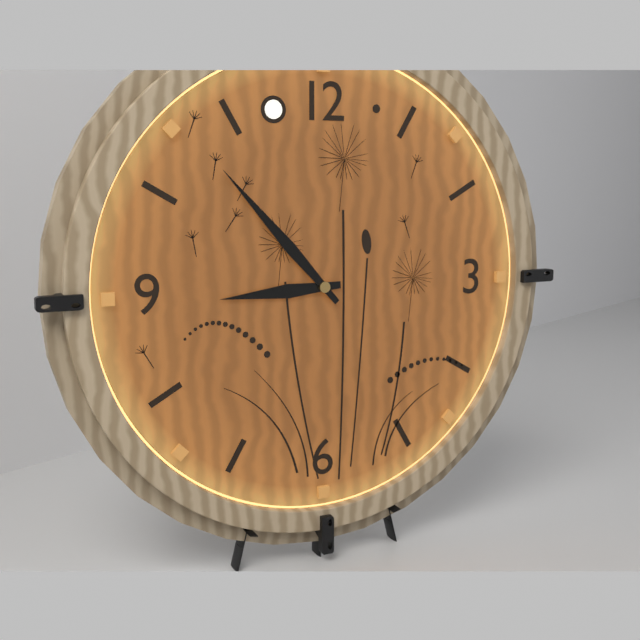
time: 8:53
